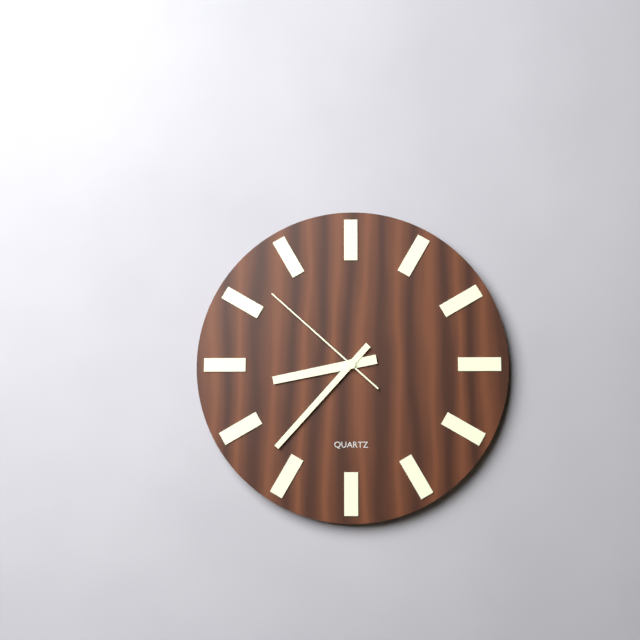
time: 8:37:52
